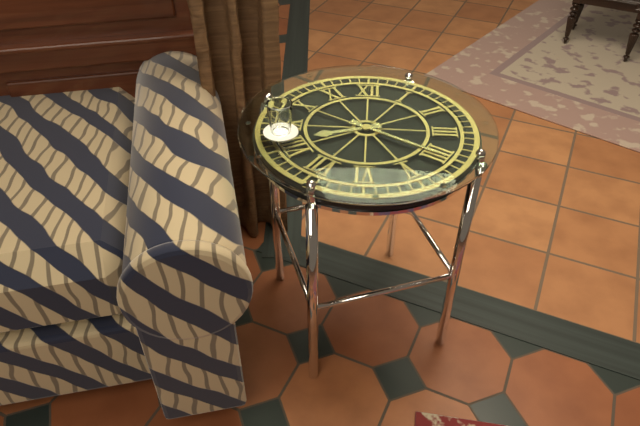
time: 8:20
